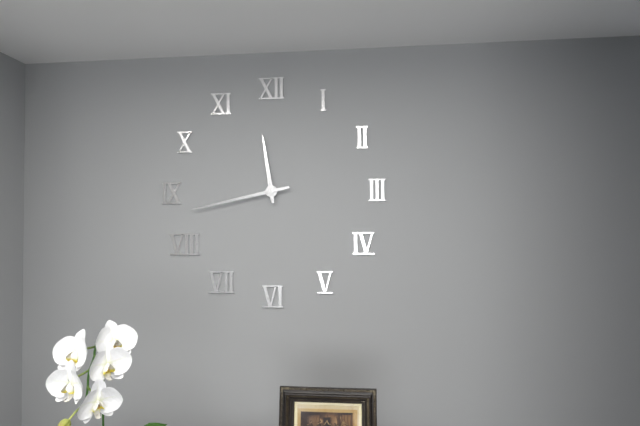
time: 11:43
